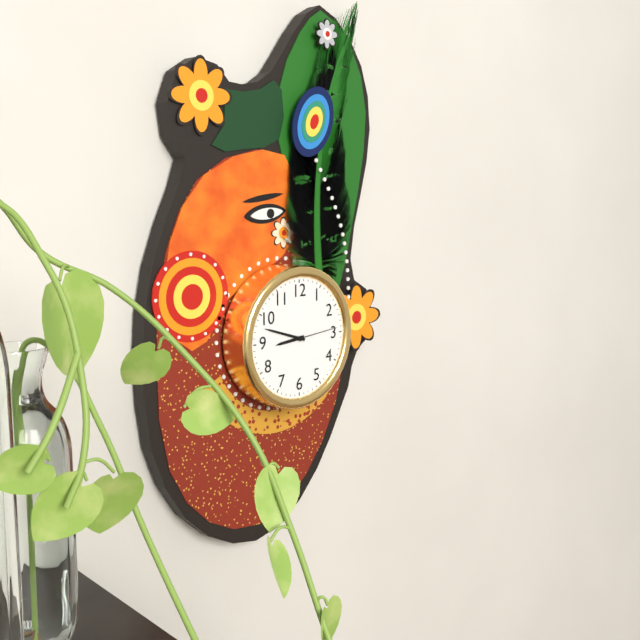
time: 8:48
